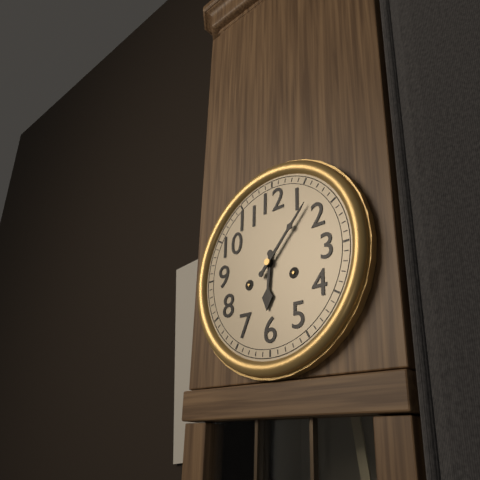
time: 6:07
